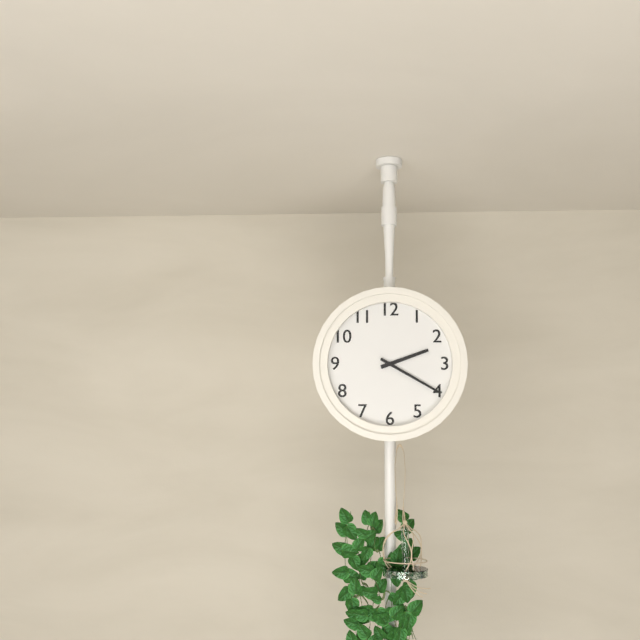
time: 2:20
